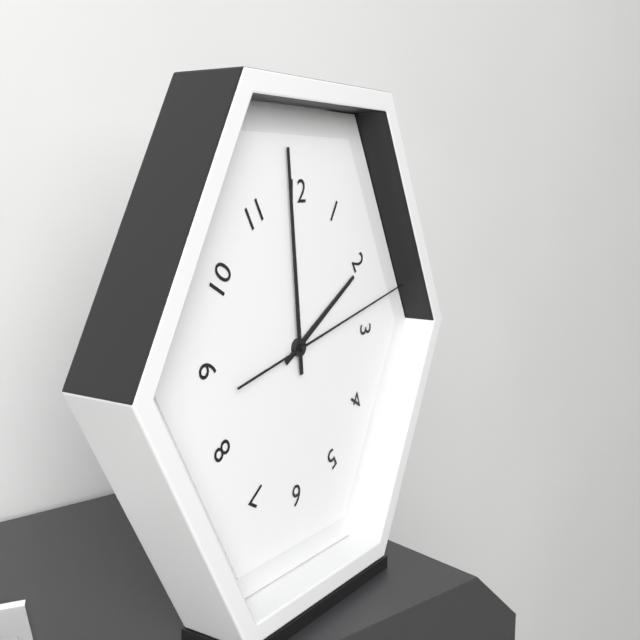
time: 1:59:13
